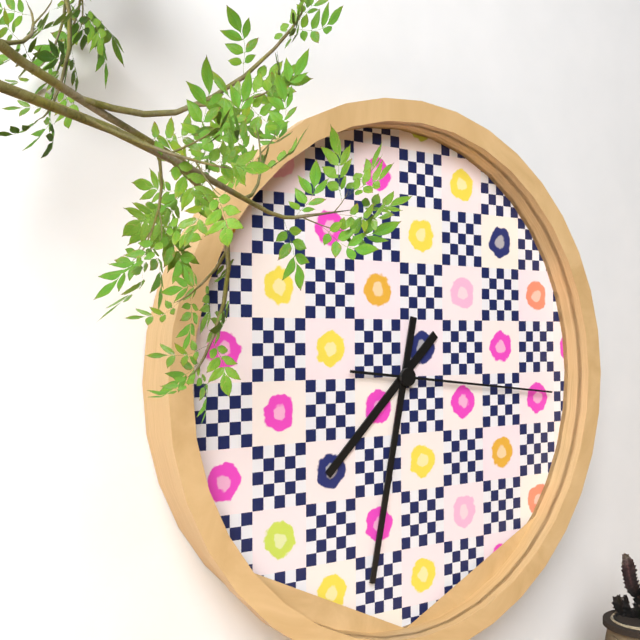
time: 7:32:16
